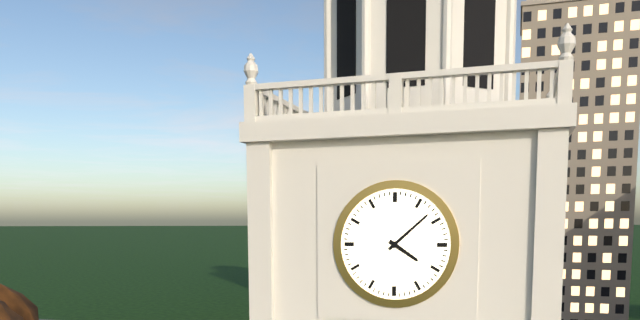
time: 4:08
